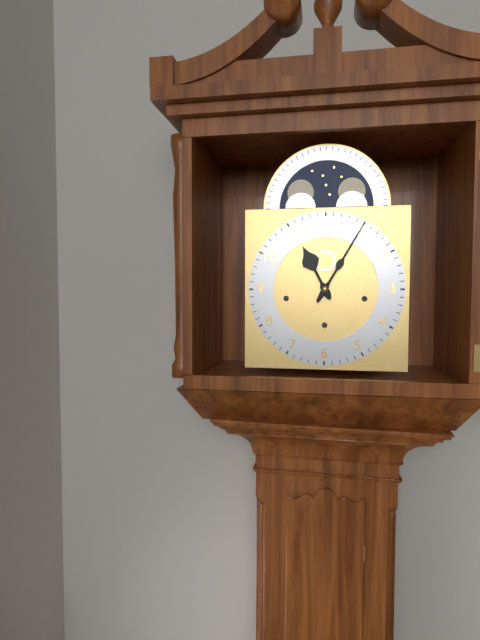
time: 11:05
